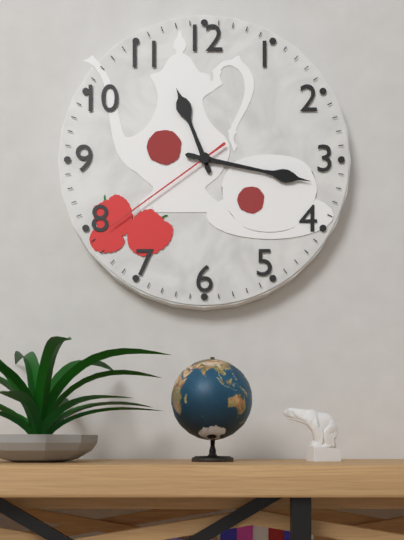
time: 11:17:39
